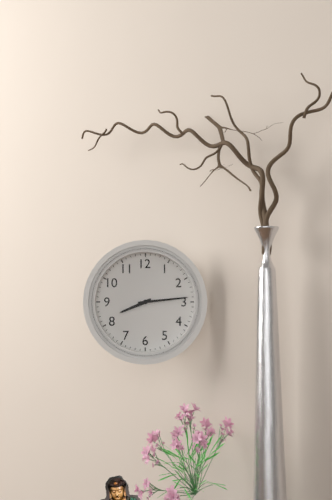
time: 8:14
